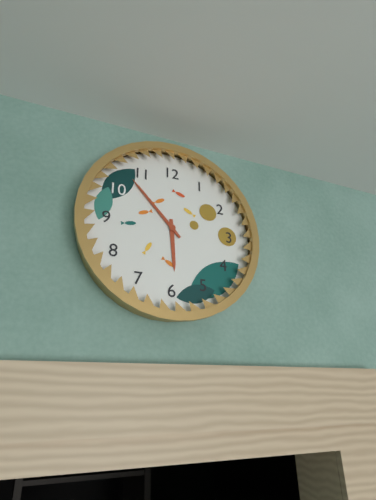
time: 5:53
